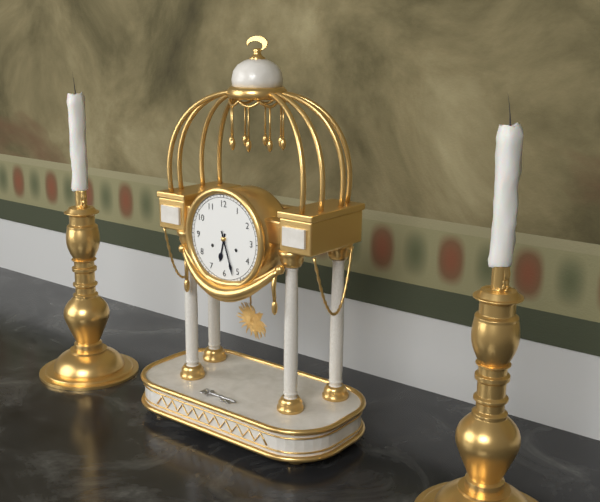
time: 6:27
